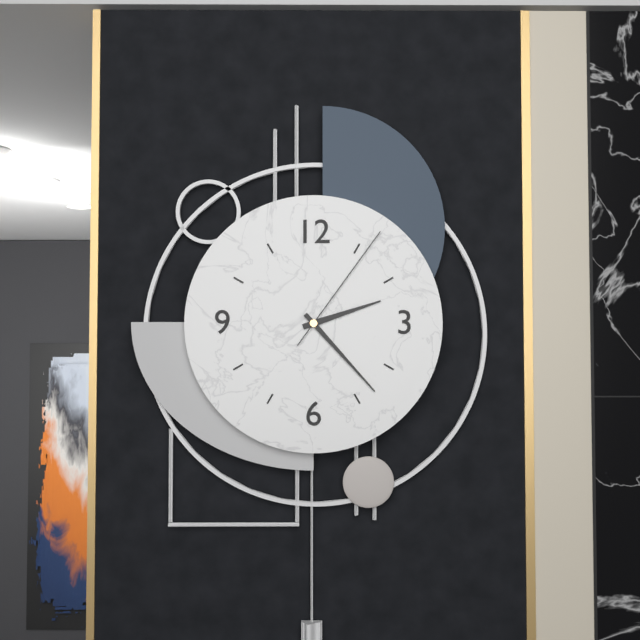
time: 2:23:06
